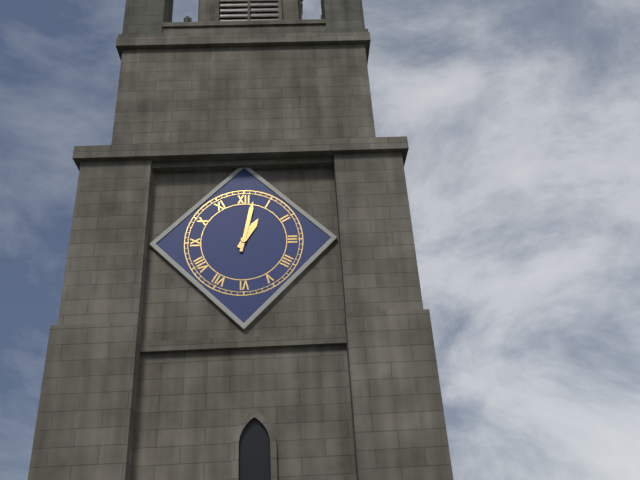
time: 1:02
